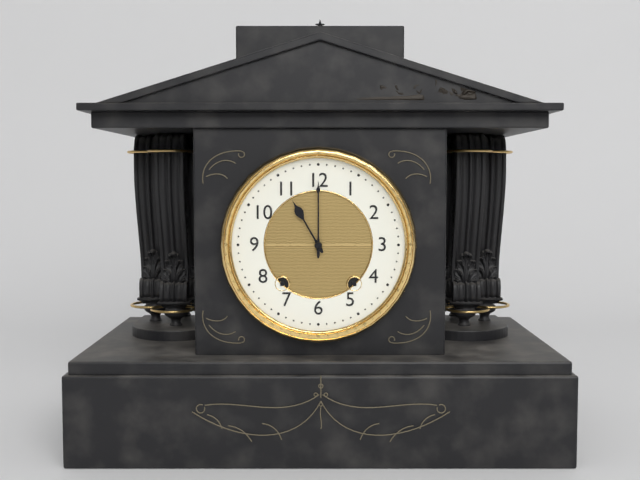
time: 11:00
